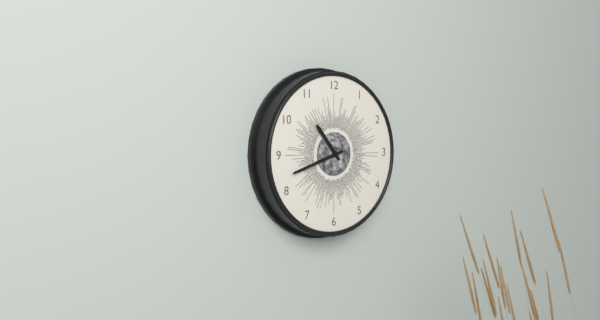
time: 10:42
